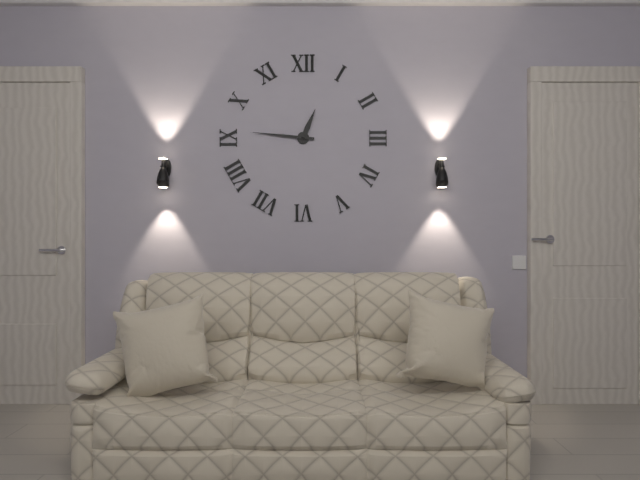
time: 12:46
